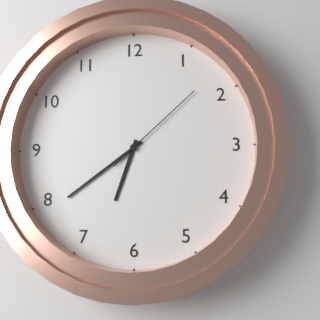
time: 6:39:08
